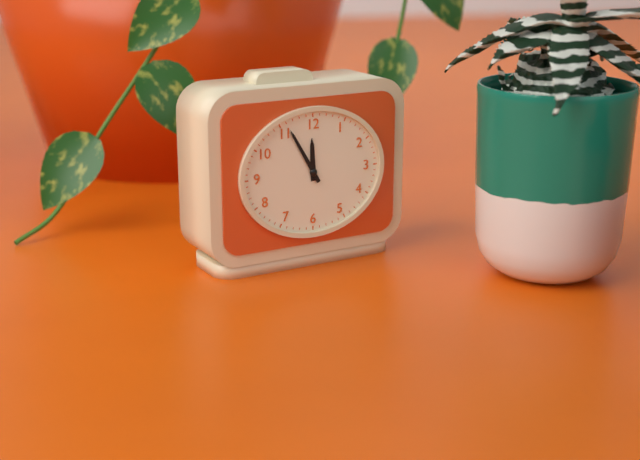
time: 11:55
